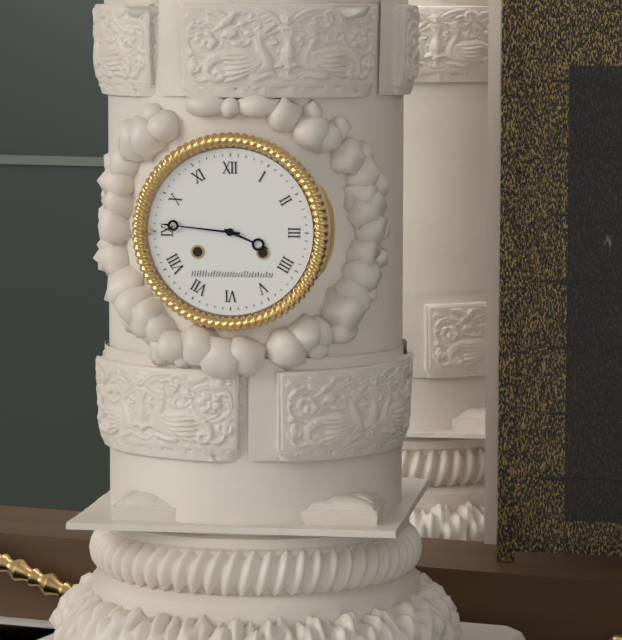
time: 3:46
